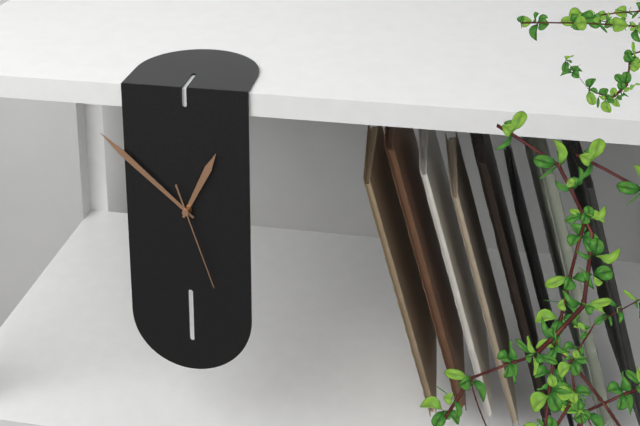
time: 12:52:27
